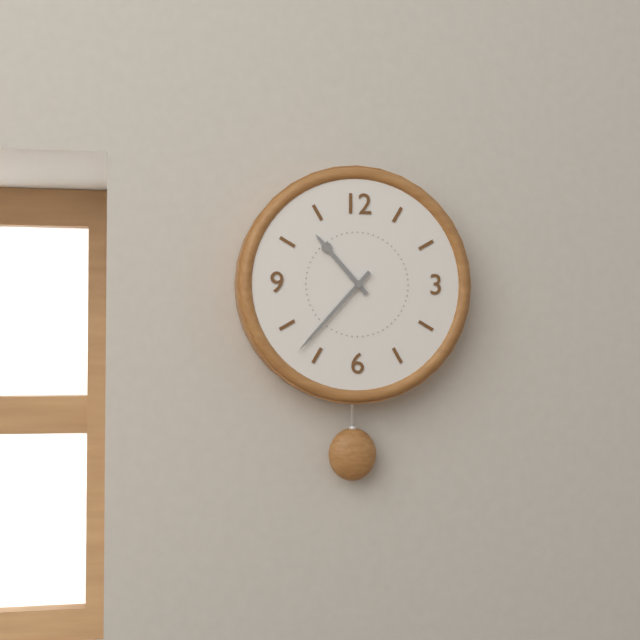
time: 10:37
